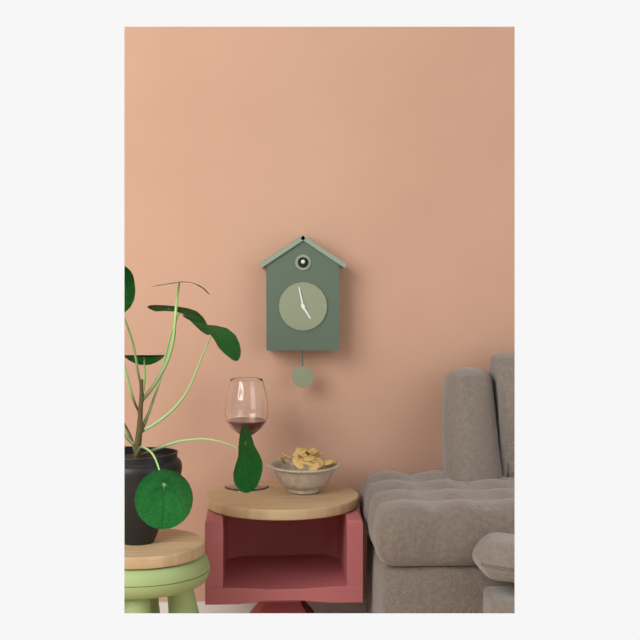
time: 4:58
